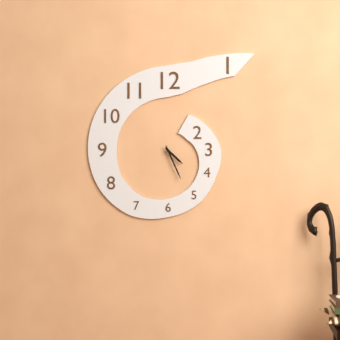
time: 4:26
